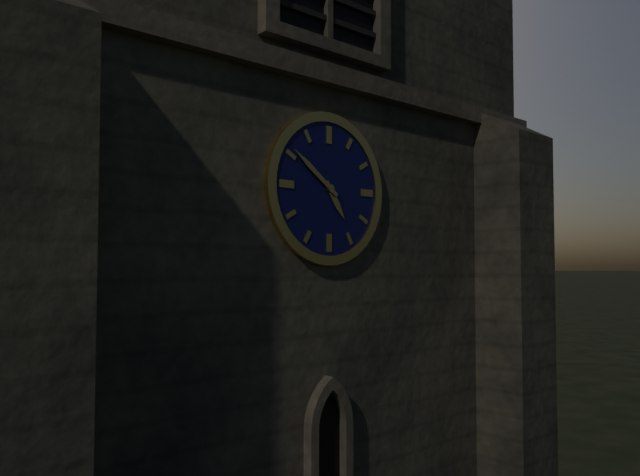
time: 4:51
